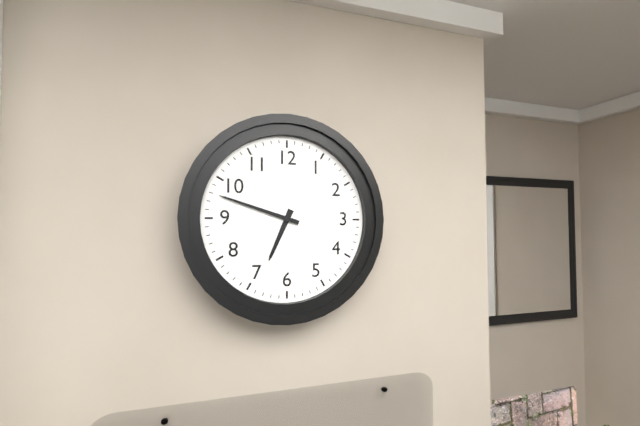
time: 6:48
